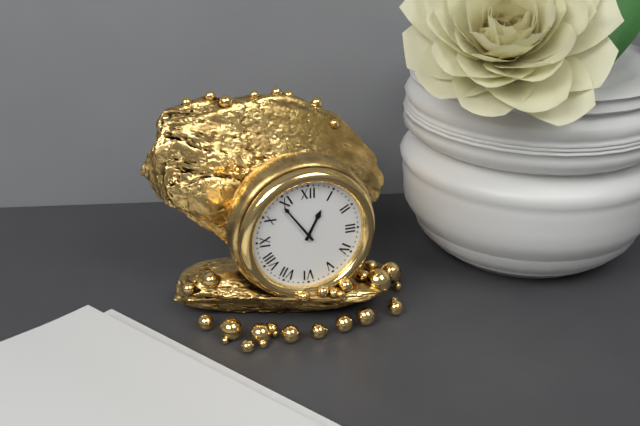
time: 12:54
